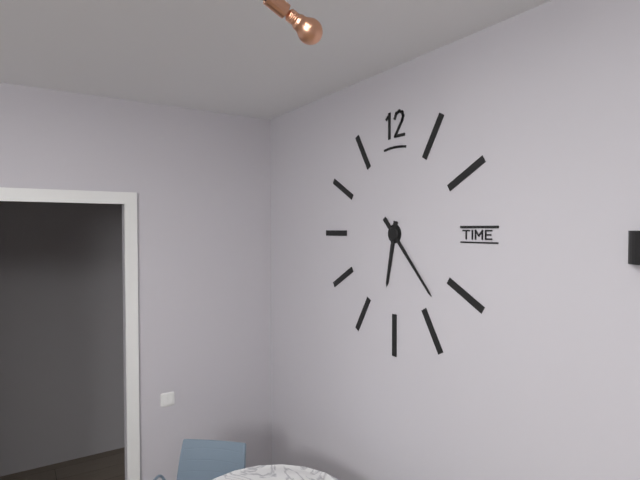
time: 6:23
